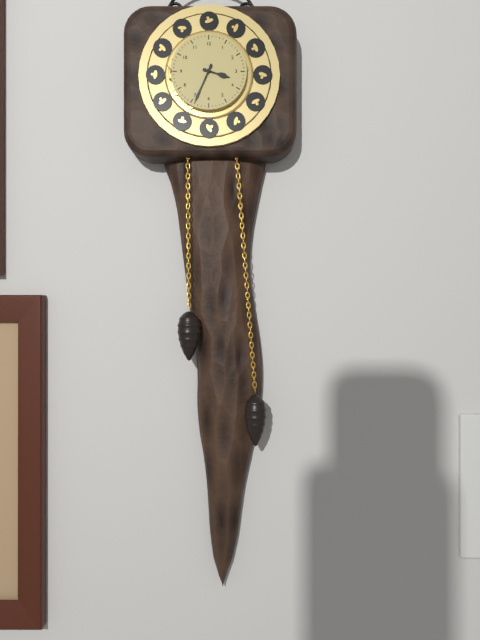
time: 3:34
